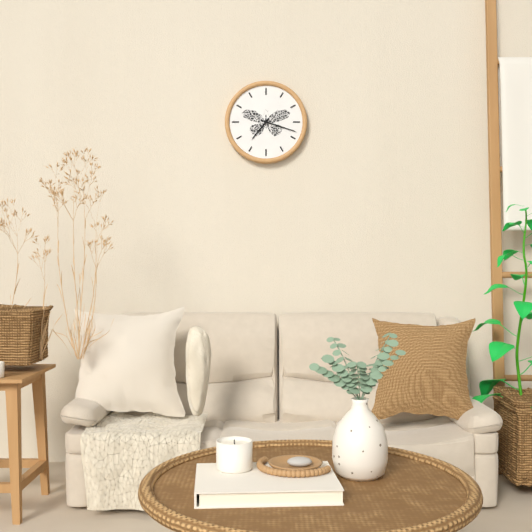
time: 7:18
